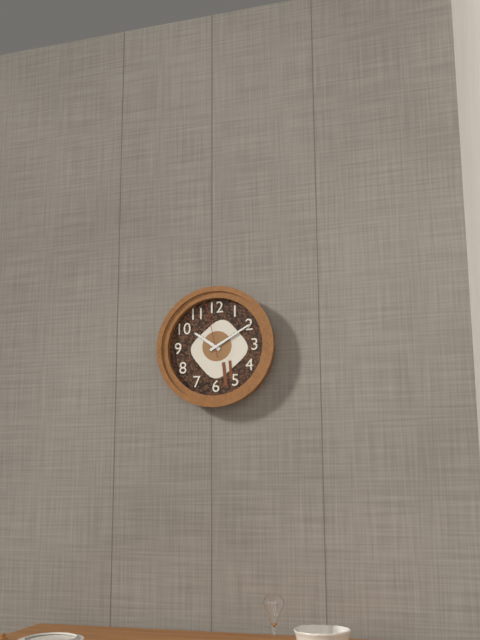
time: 10:10:58
